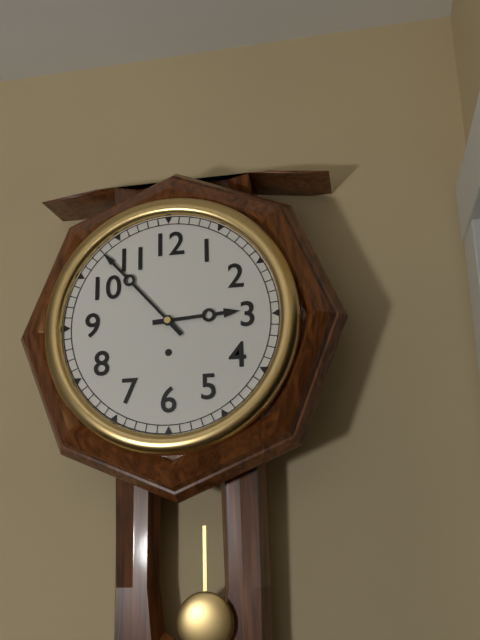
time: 2:53
